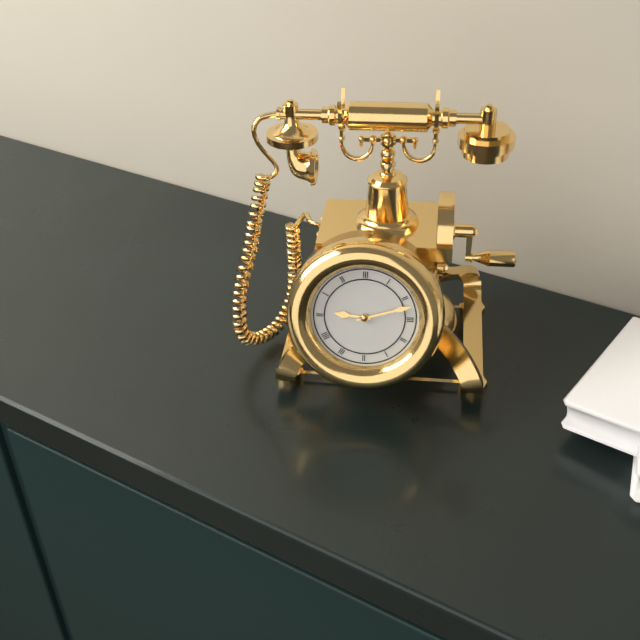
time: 9:12
